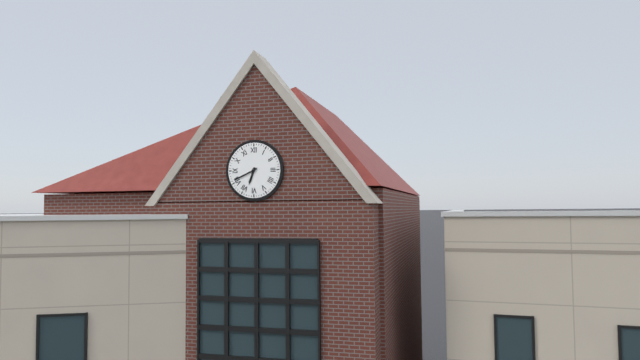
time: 6:41
